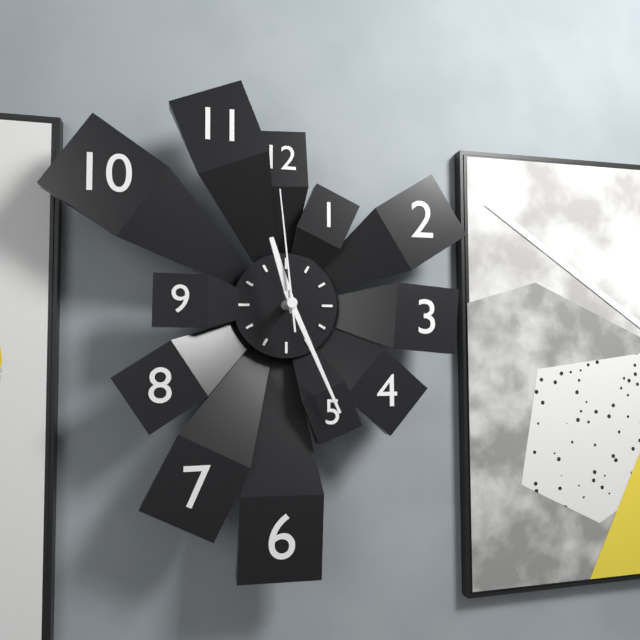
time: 11:26:59
